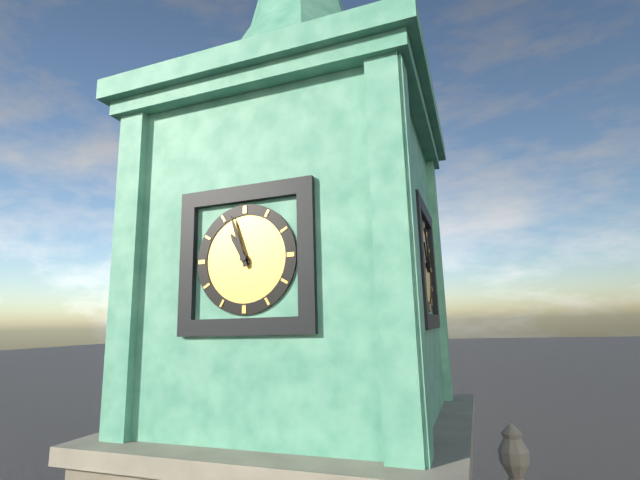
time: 10:57
